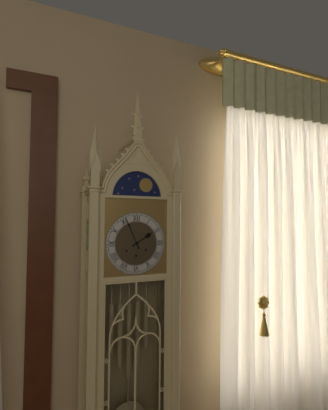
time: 1:56
